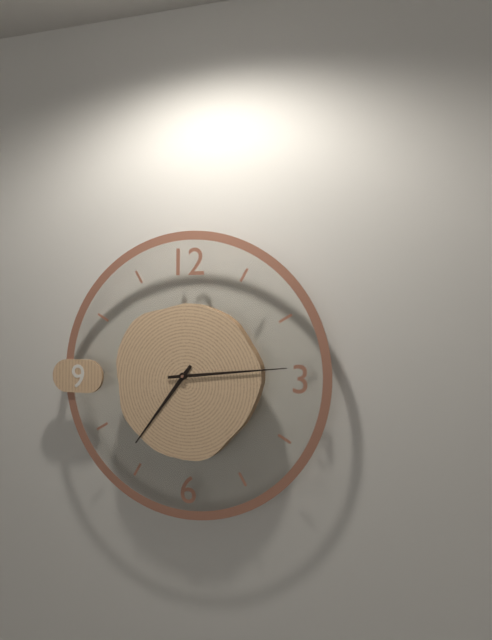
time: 7:14
